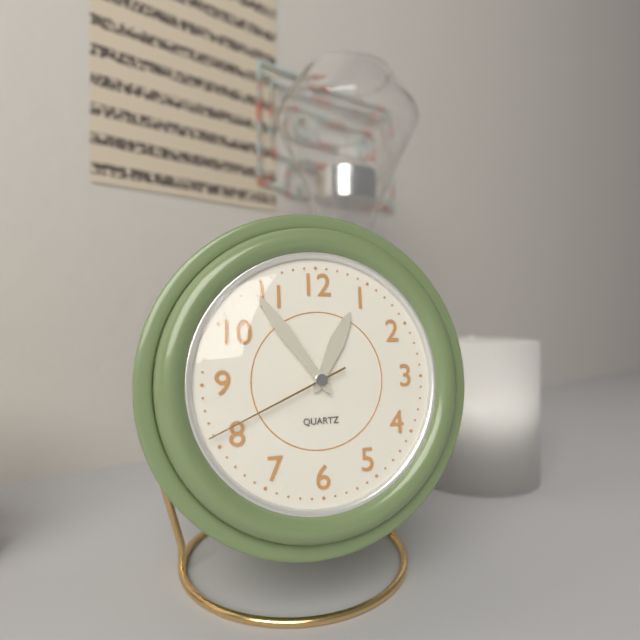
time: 12:54:41
